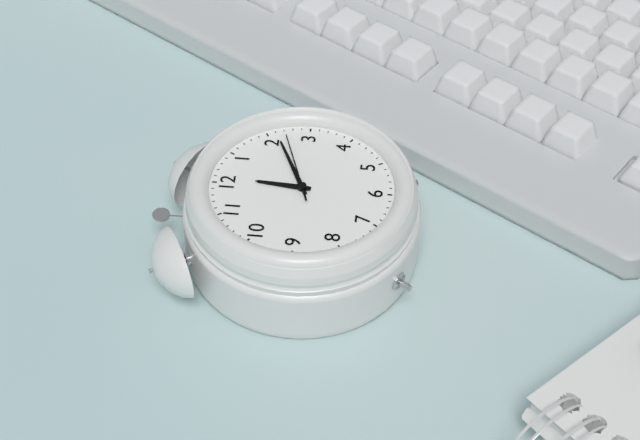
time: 12:11:12
